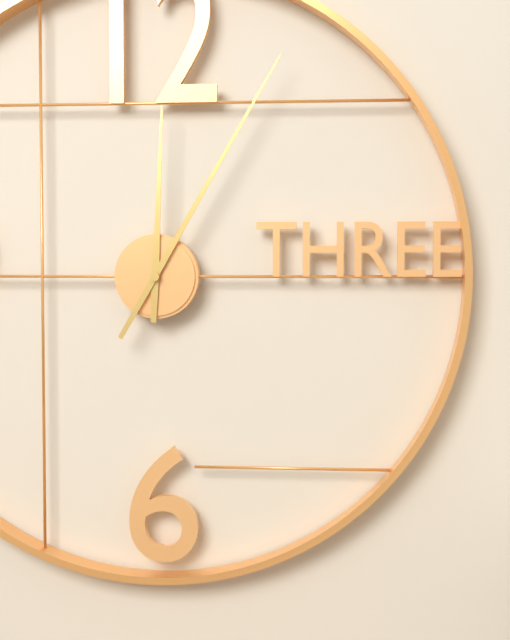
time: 12:05
